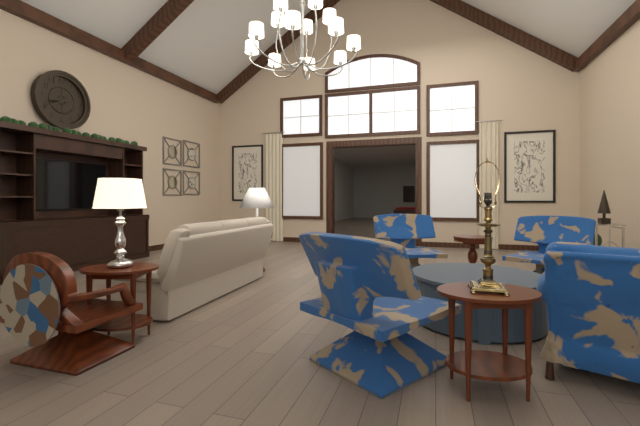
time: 8:40
